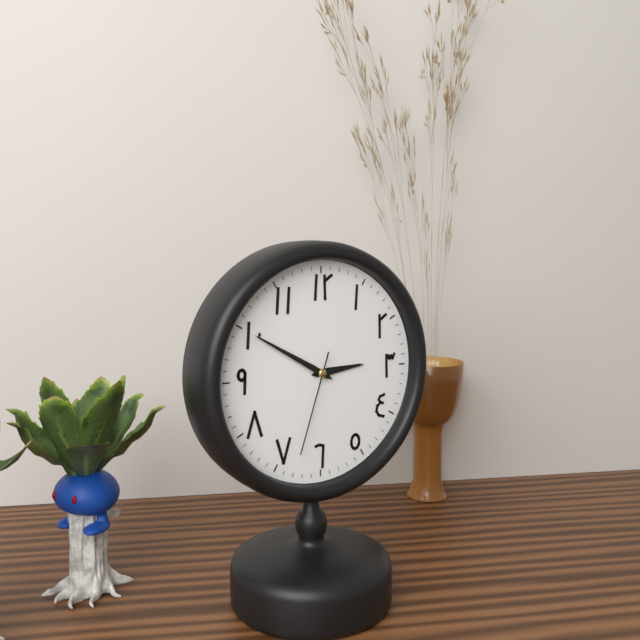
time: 2:50:33
